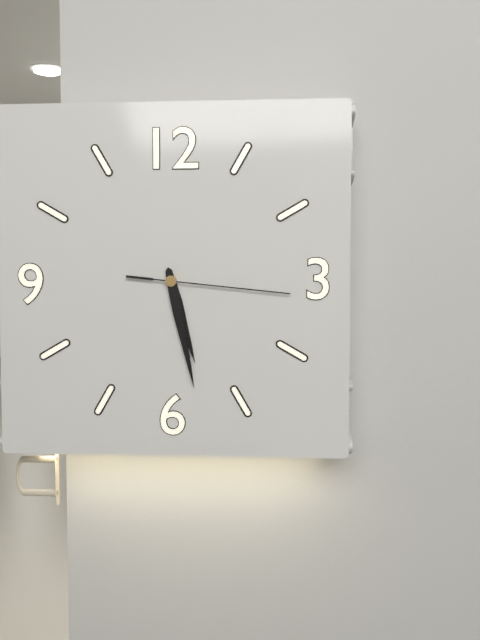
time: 5:28:16
